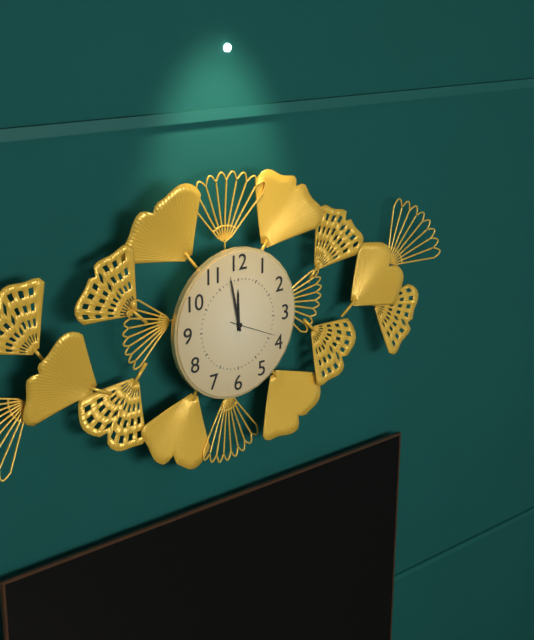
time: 11:58
